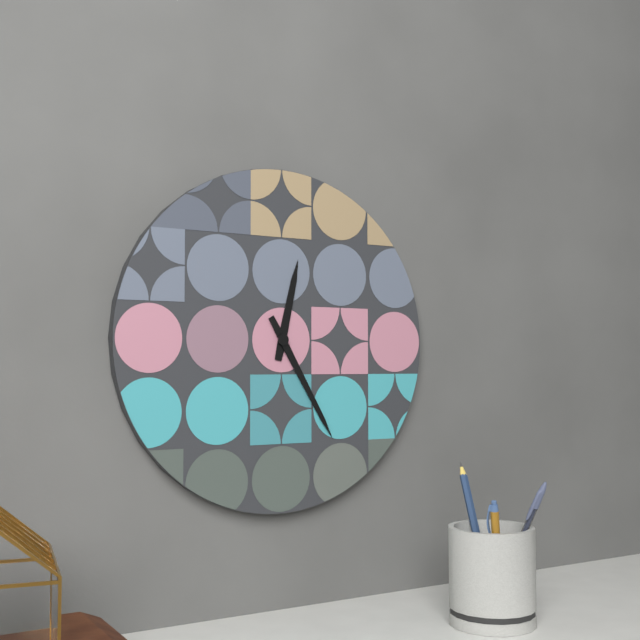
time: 12:25
